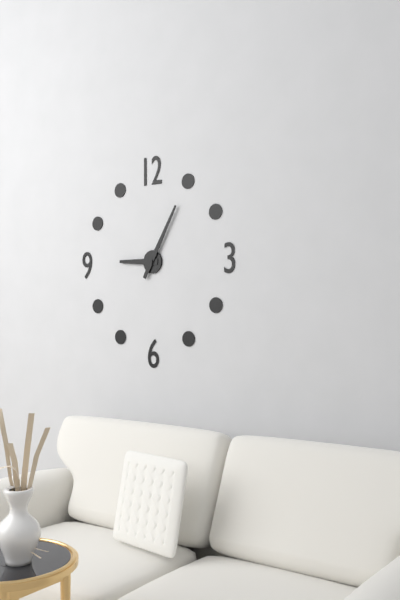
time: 9:05
